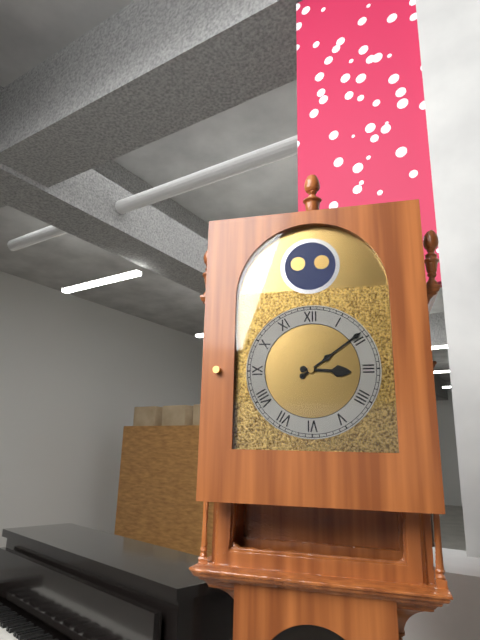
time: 3:09
